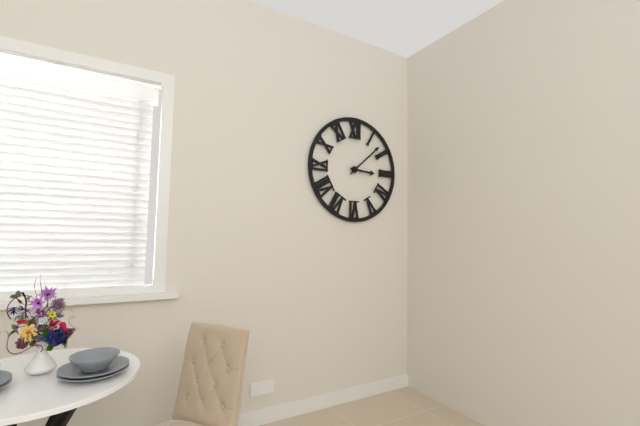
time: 3:08
